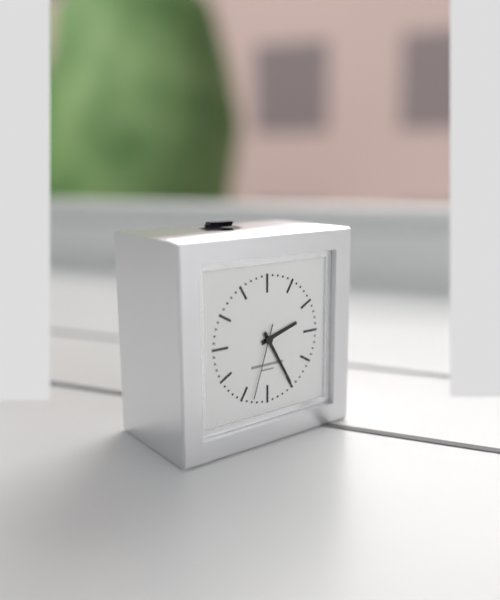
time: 2:25:33
